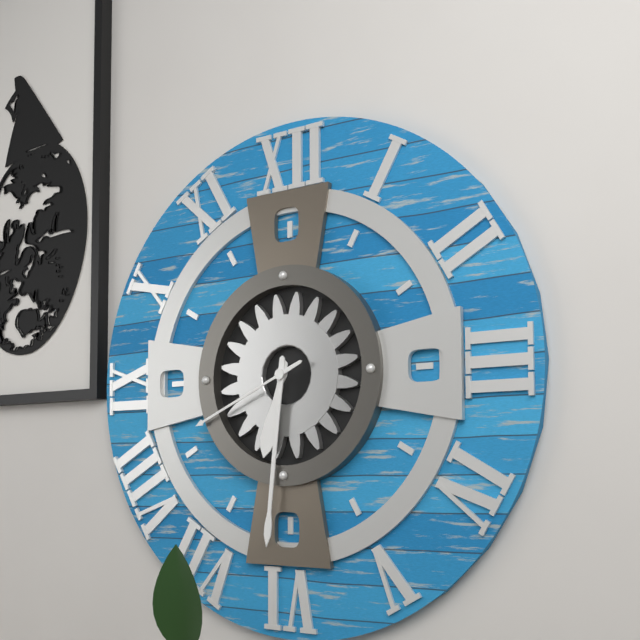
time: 6:31:41
